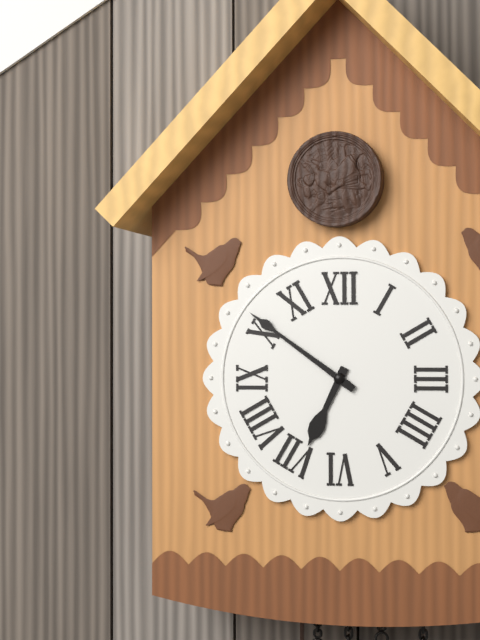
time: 6:51
